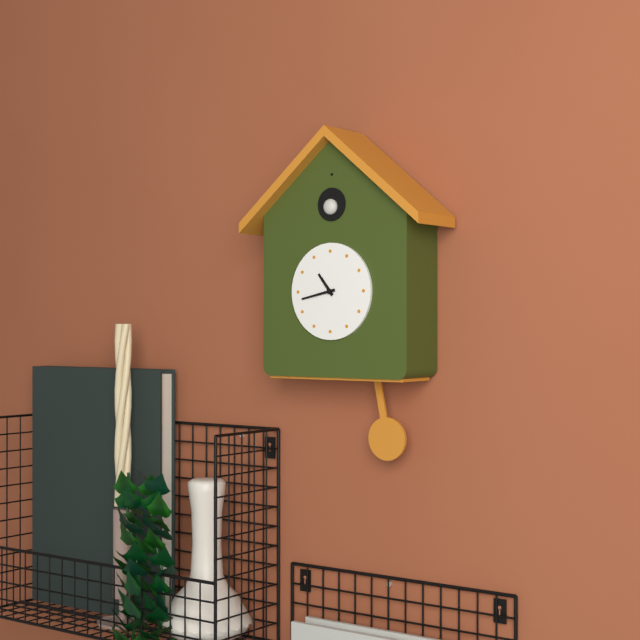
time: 10:43
